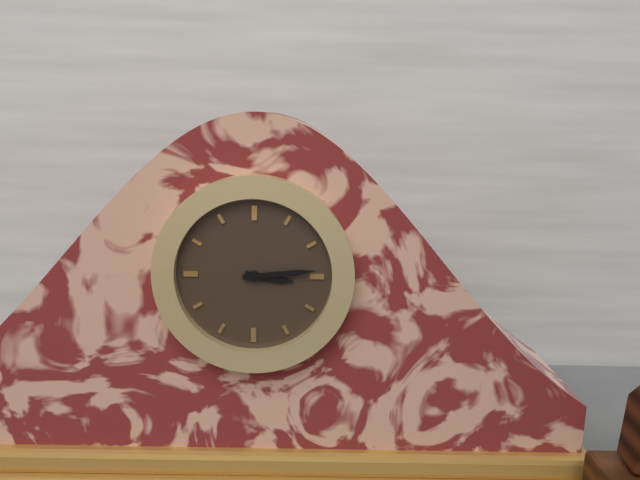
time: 3:14
